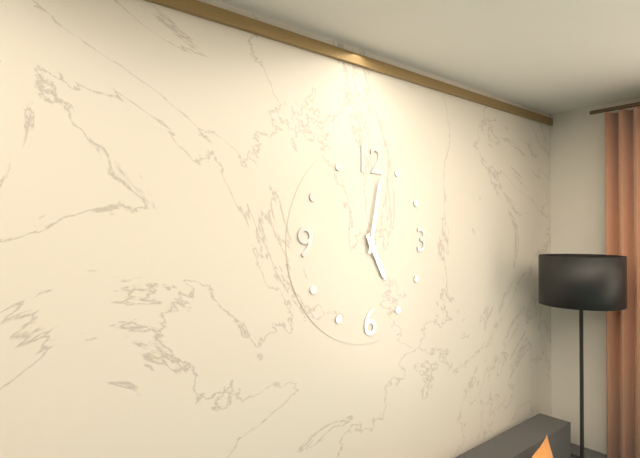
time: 5:02
